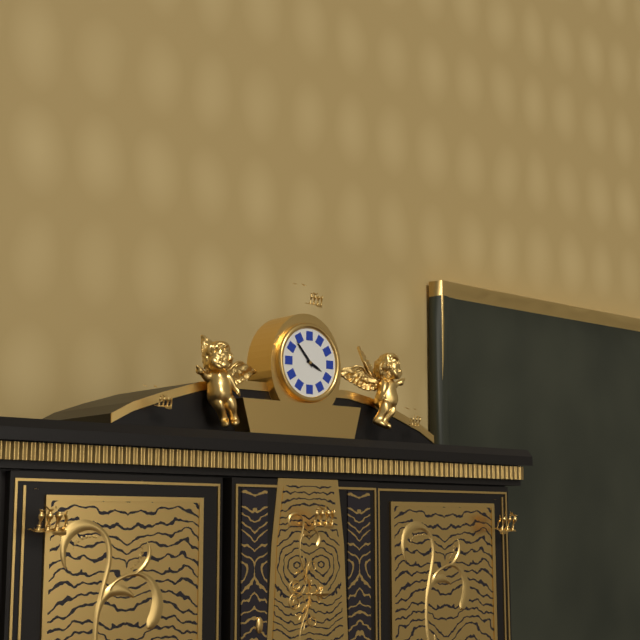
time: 3:53
